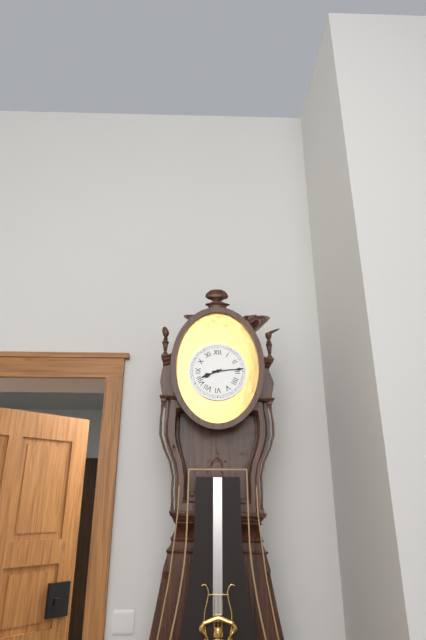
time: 8:14
